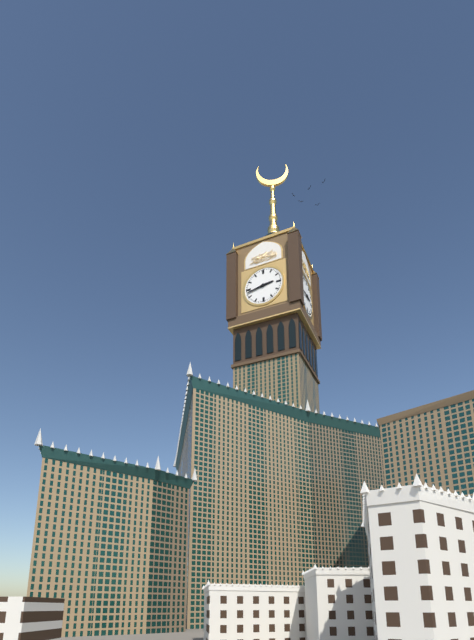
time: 2:43
